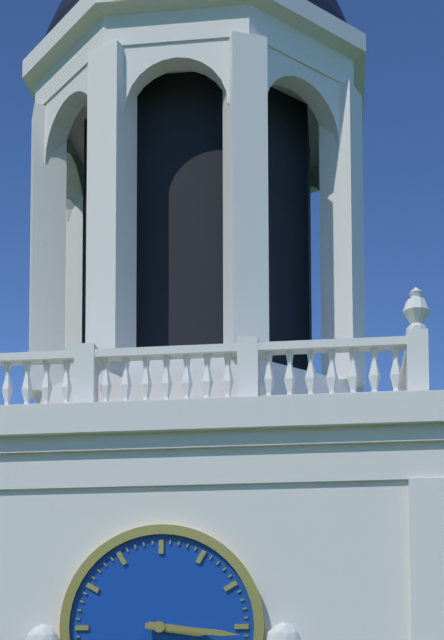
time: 3:16
